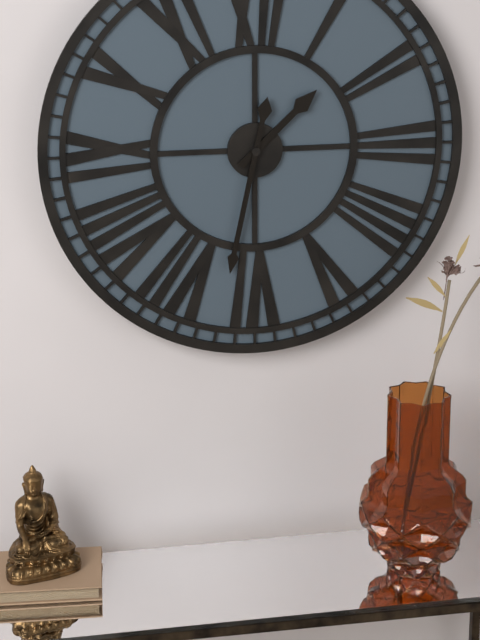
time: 1:32
